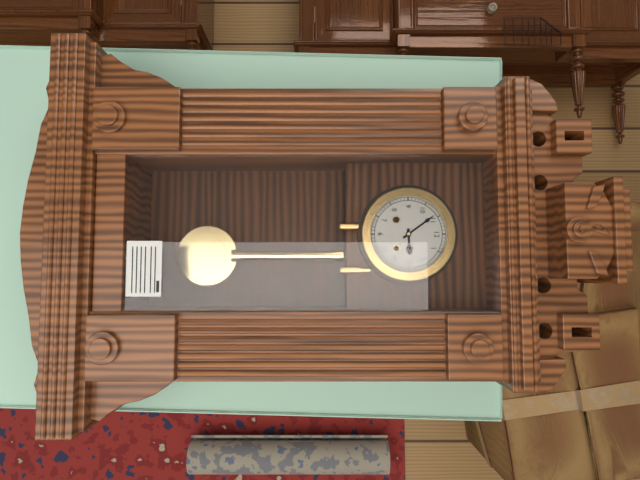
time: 2:54
